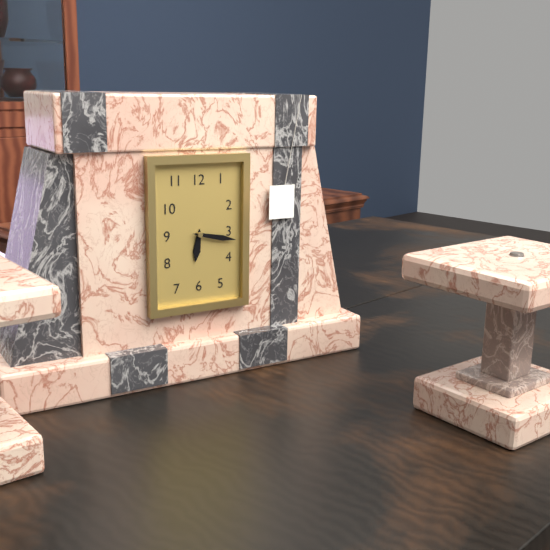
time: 6:17
